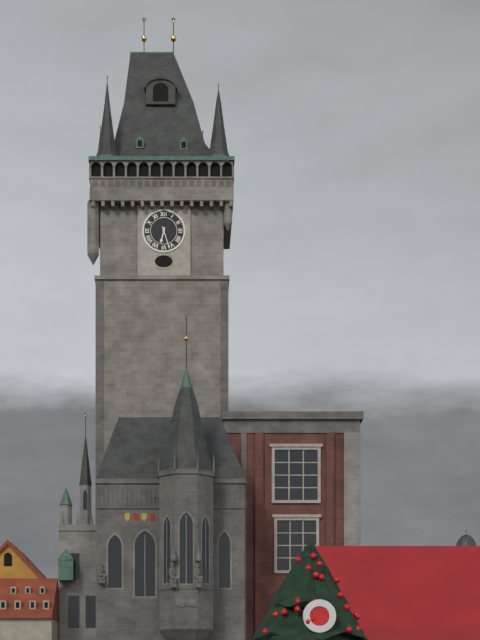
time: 6:27
